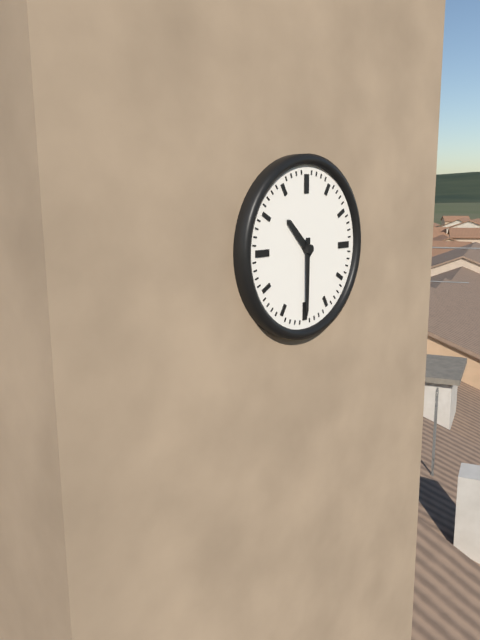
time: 10:30
